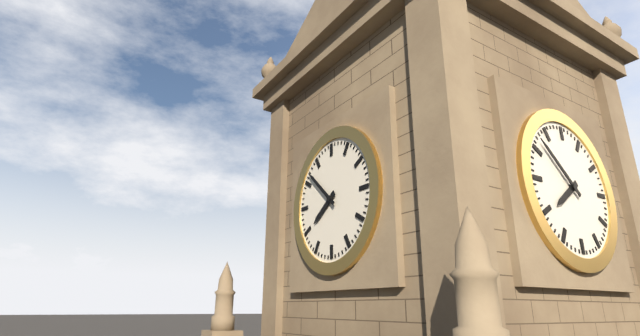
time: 7:52
